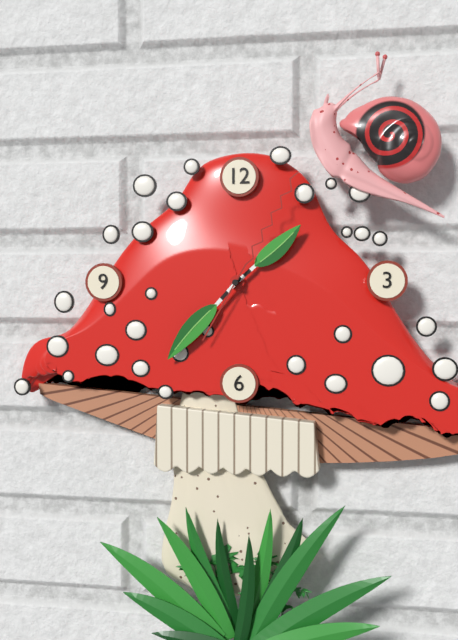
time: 1:37:05
